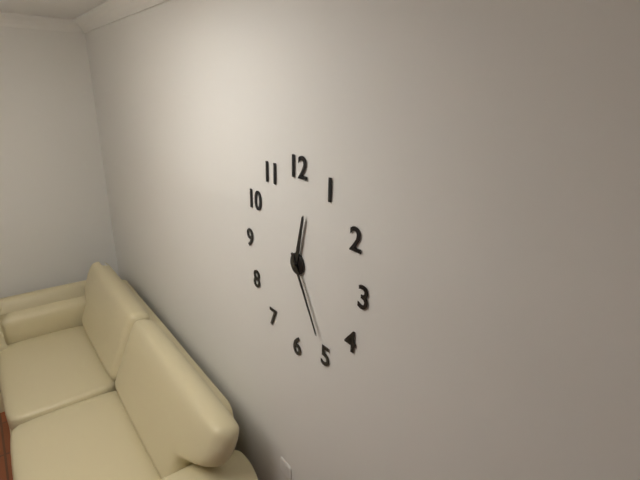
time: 12:25
